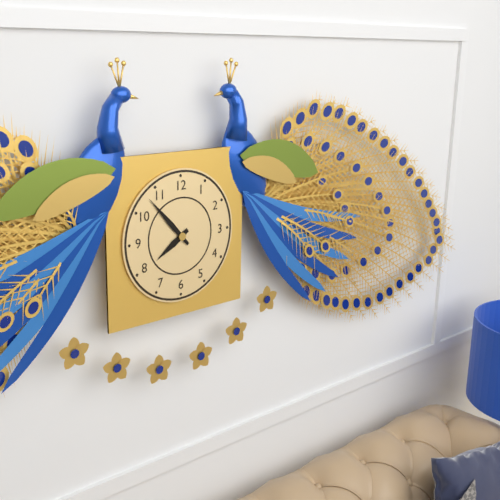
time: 7:53
